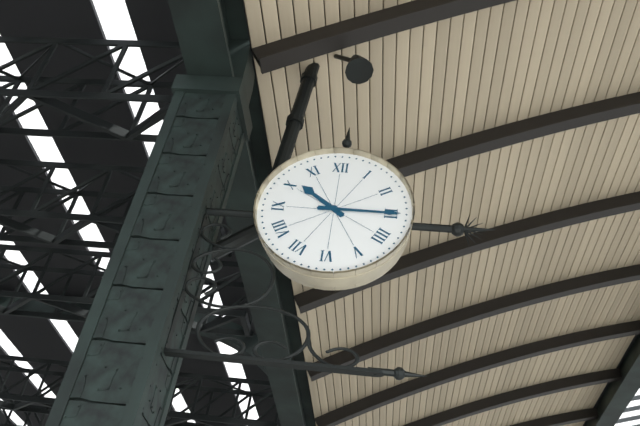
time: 10:15
